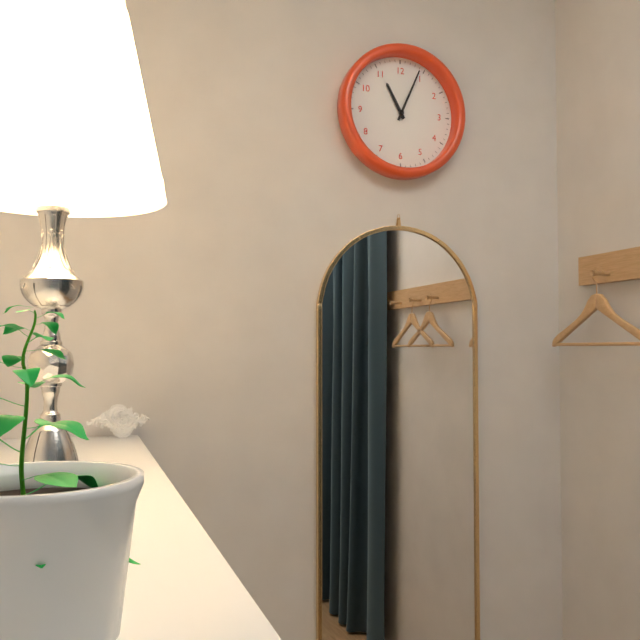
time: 11:04
